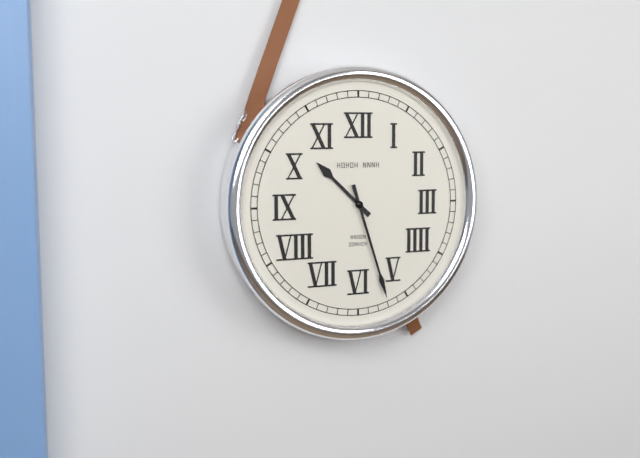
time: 10:27
